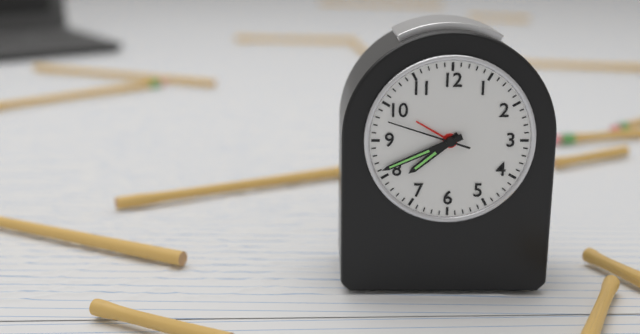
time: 7:41:48
